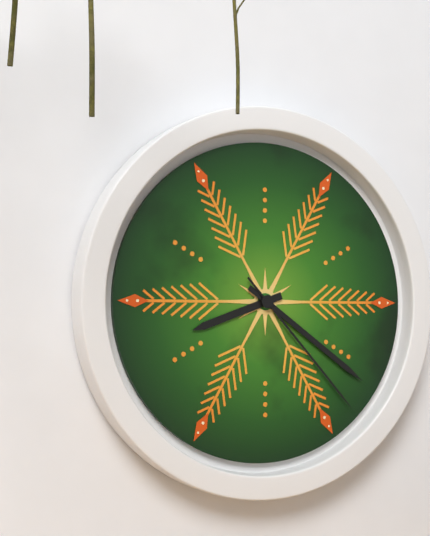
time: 8:21:23
